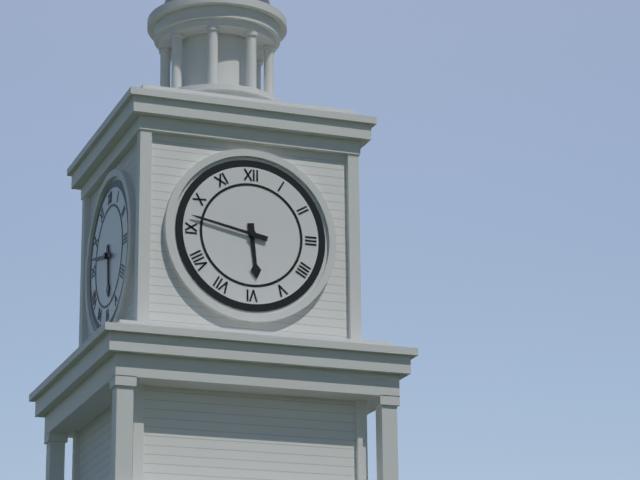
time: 5:47
